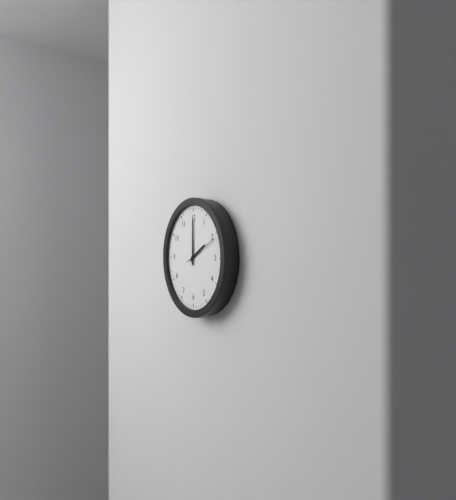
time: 2:00
